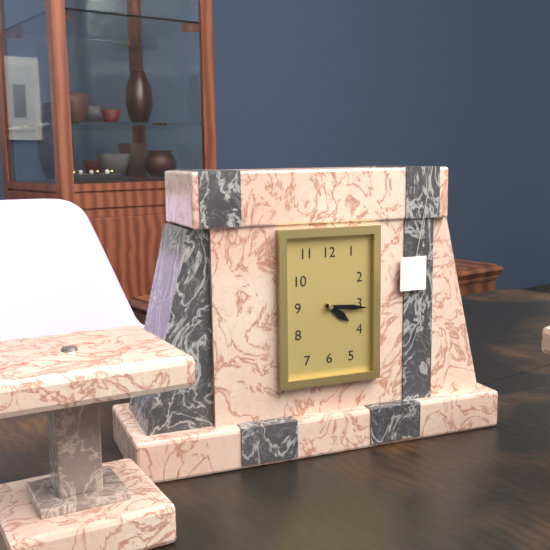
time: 4:16
